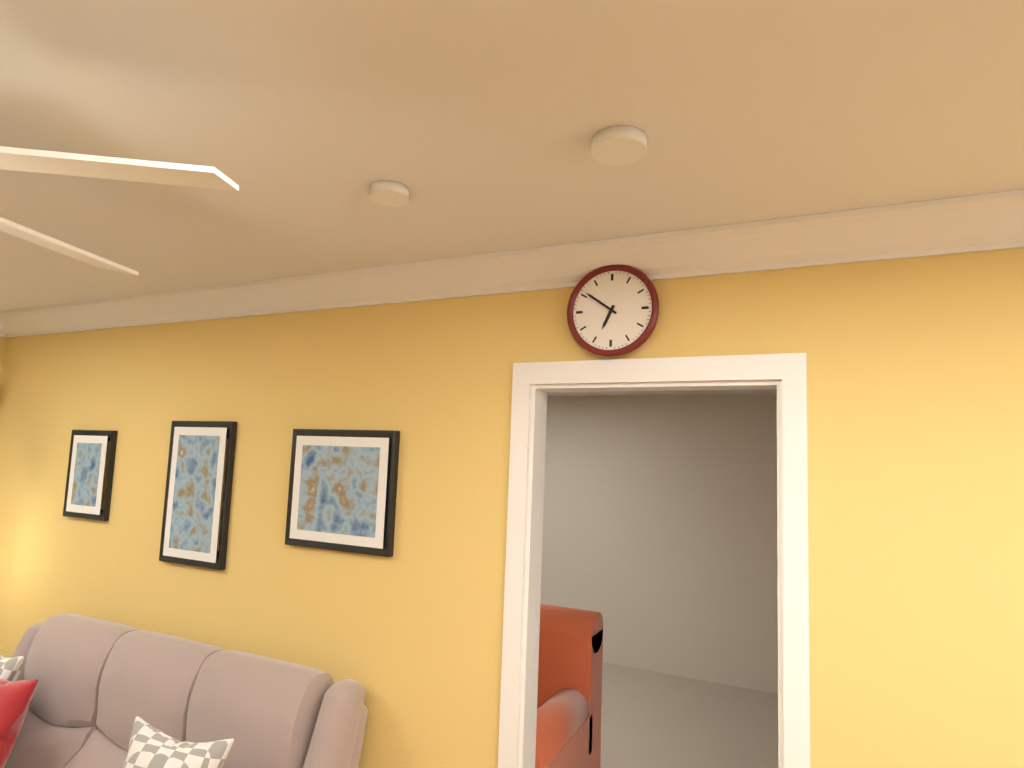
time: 6:51
